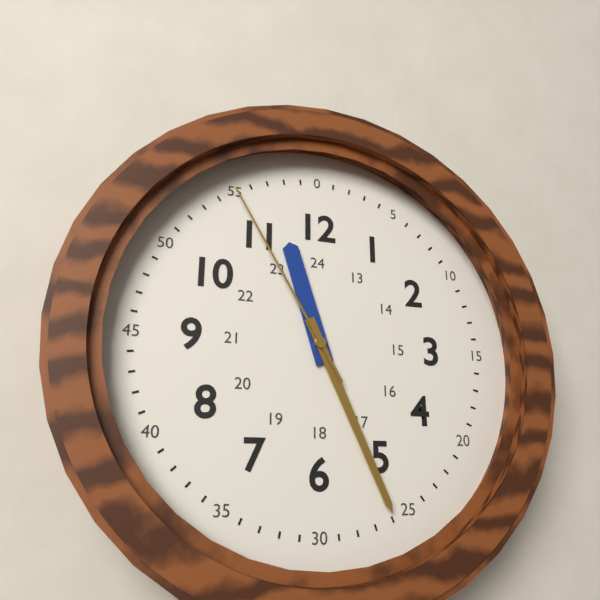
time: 11:26:55
